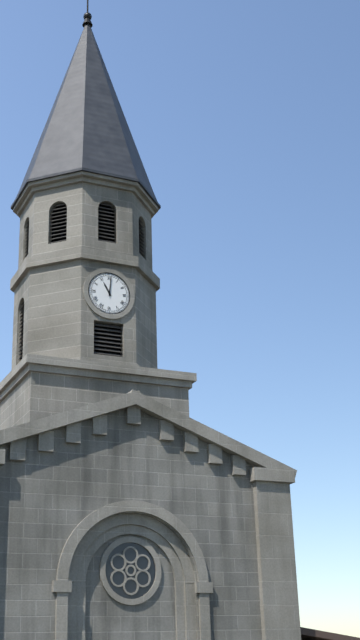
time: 11:01
